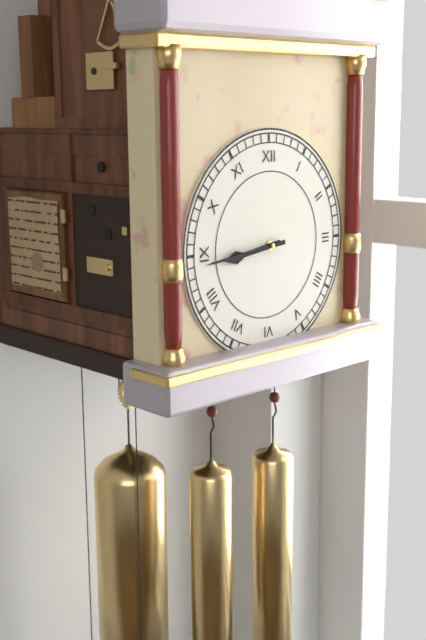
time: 8:44
